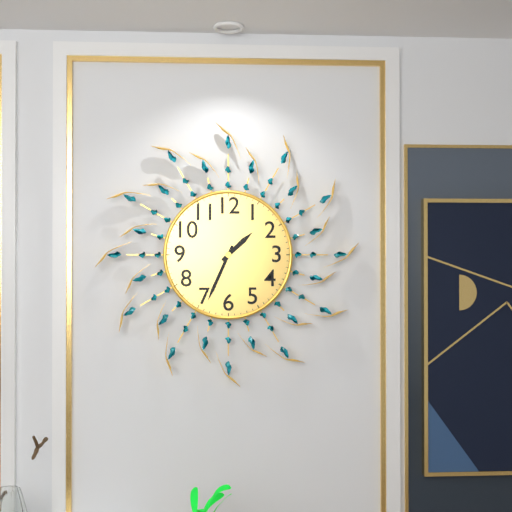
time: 1:34
